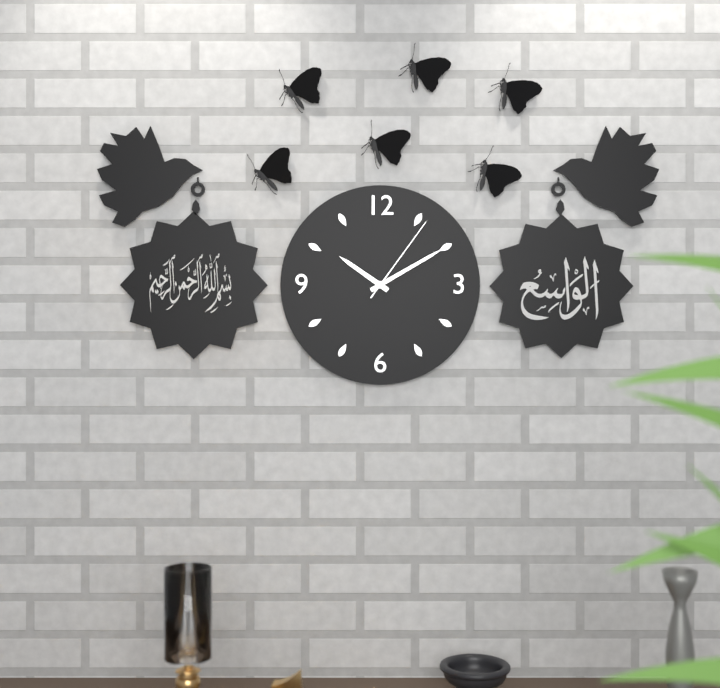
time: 10:10:06
